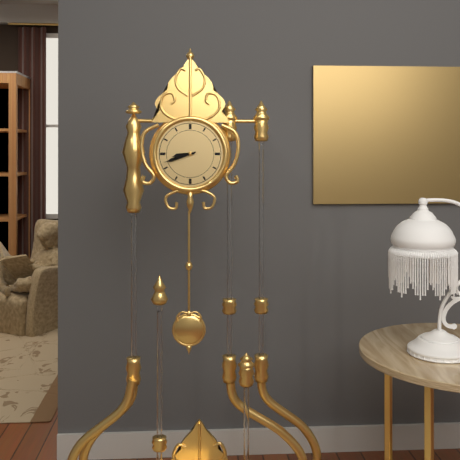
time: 8:42
